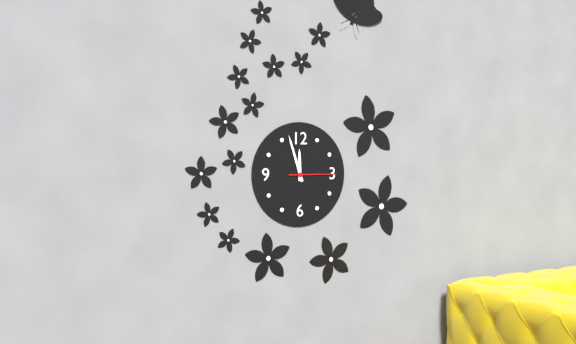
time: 11:57
